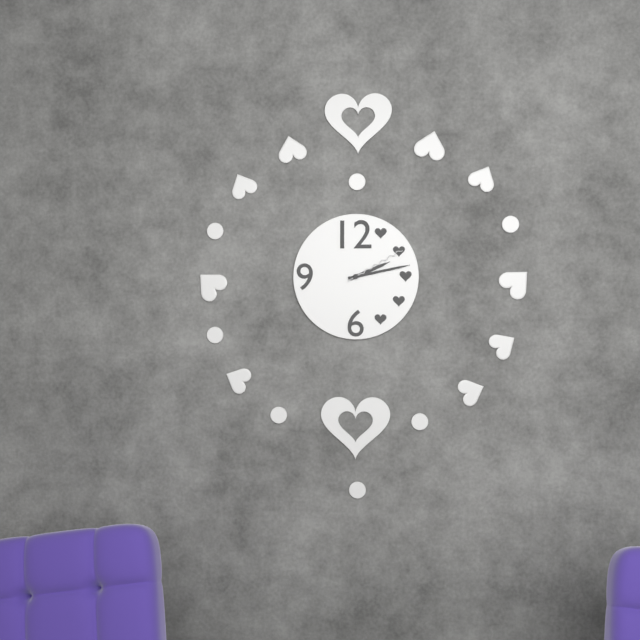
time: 2:13:10
